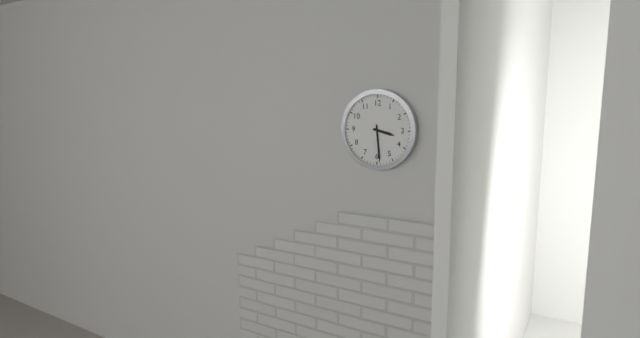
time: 3:29
